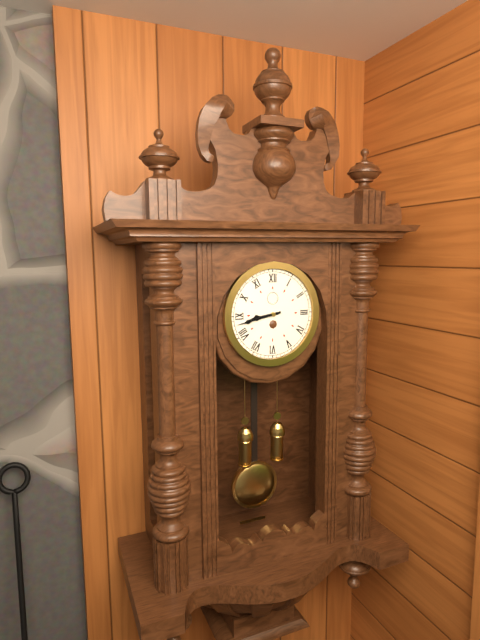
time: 8:43
